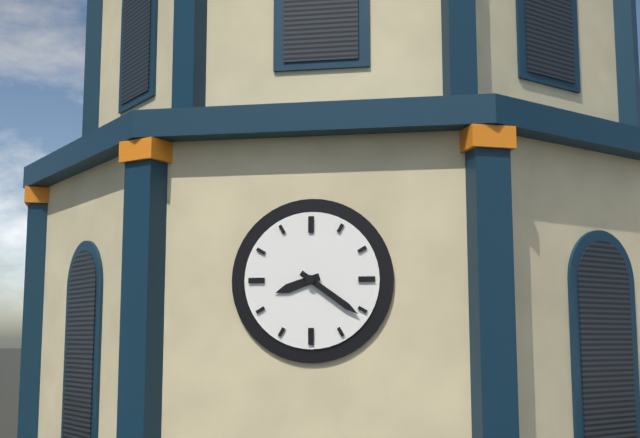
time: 8:21
